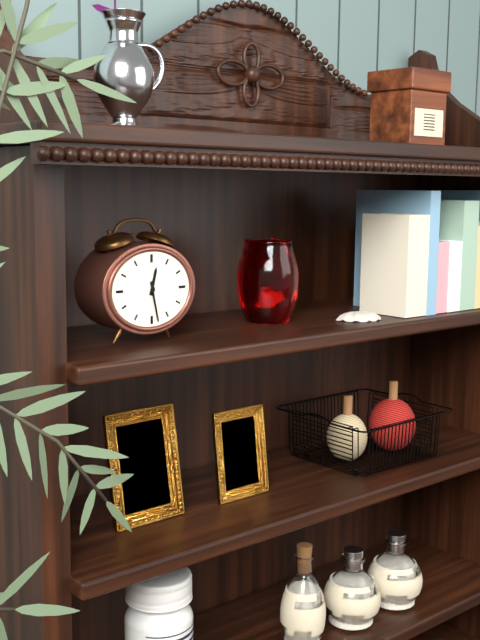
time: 12:28
